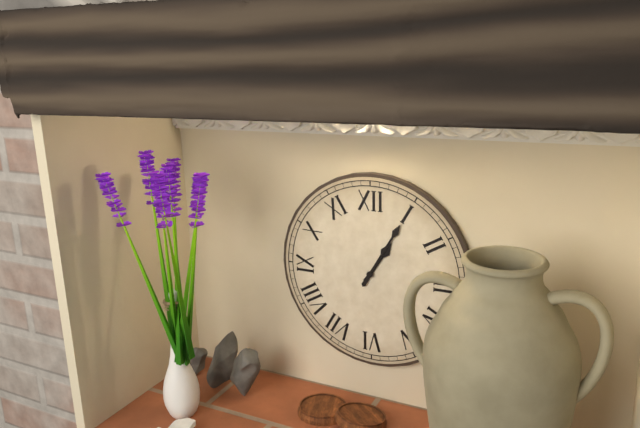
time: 1:05
